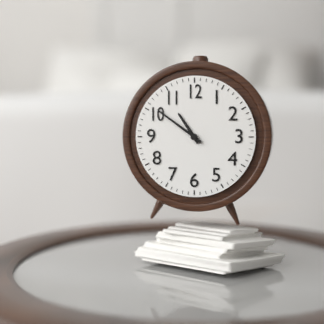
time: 10:51
